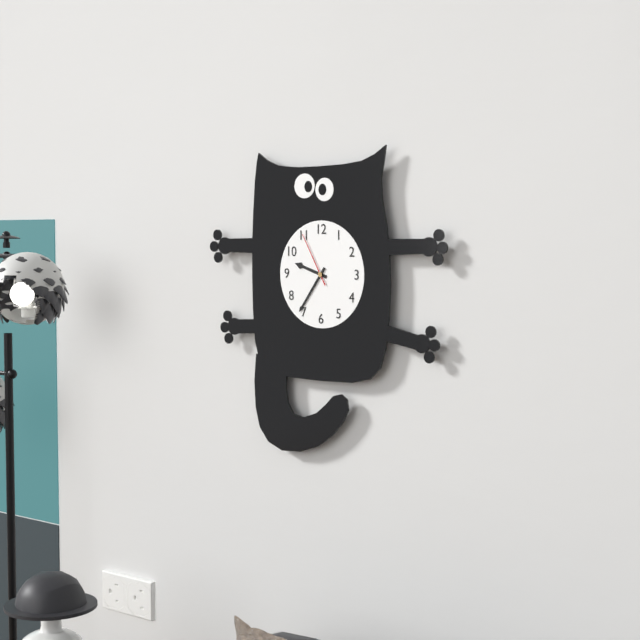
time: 9:36:55
